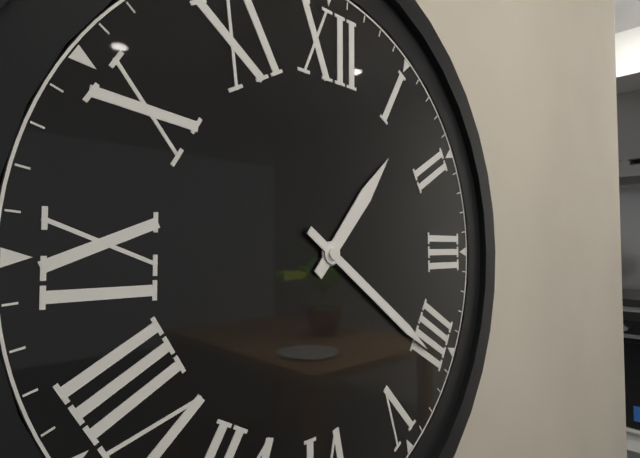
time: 1:21
